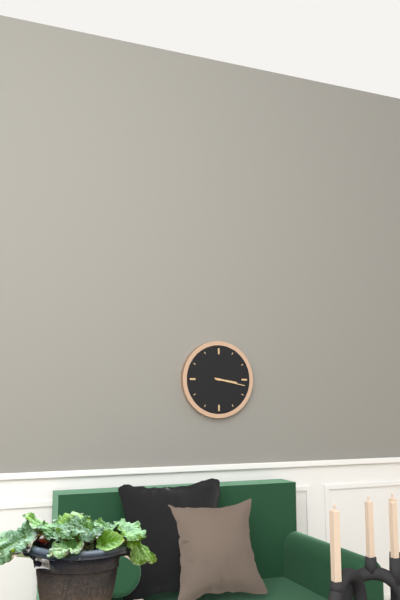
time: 3:17
